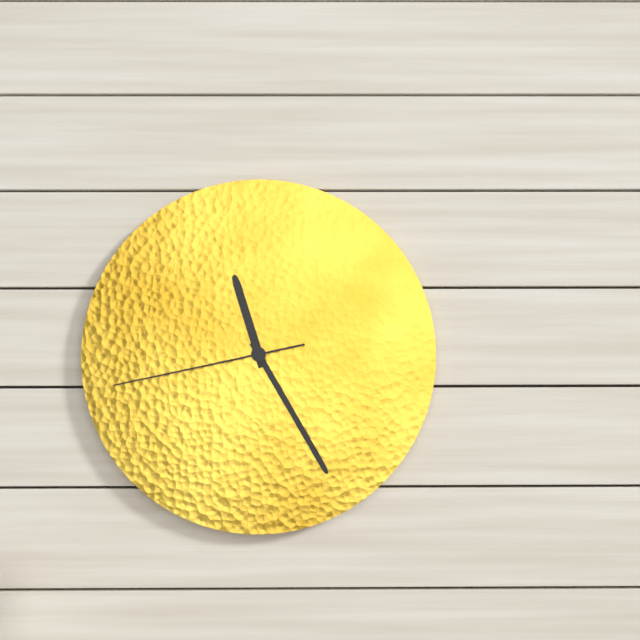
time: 11:25:43
